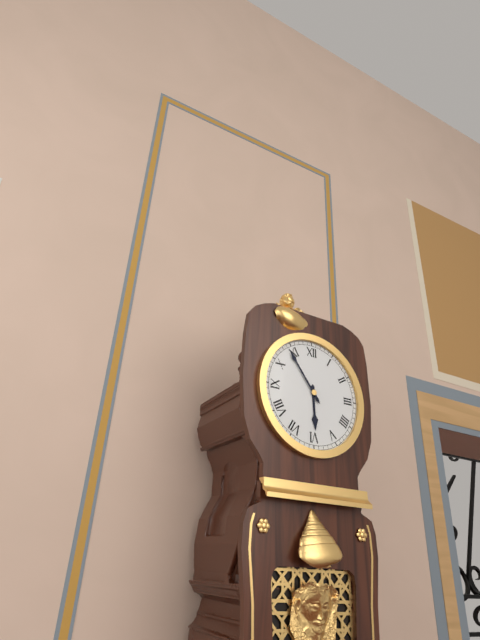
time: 5:54
